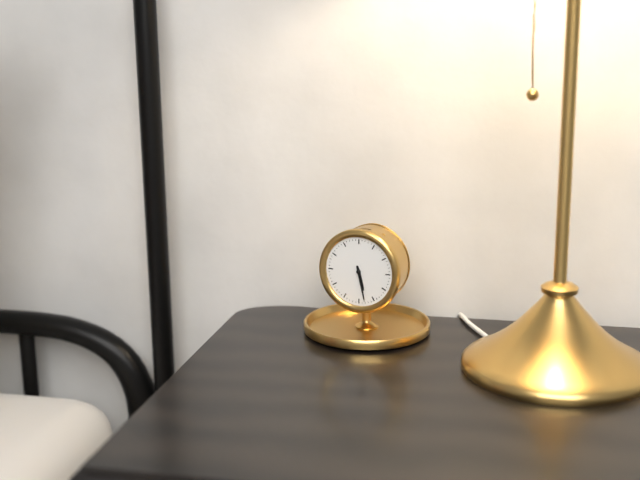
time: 5:28
